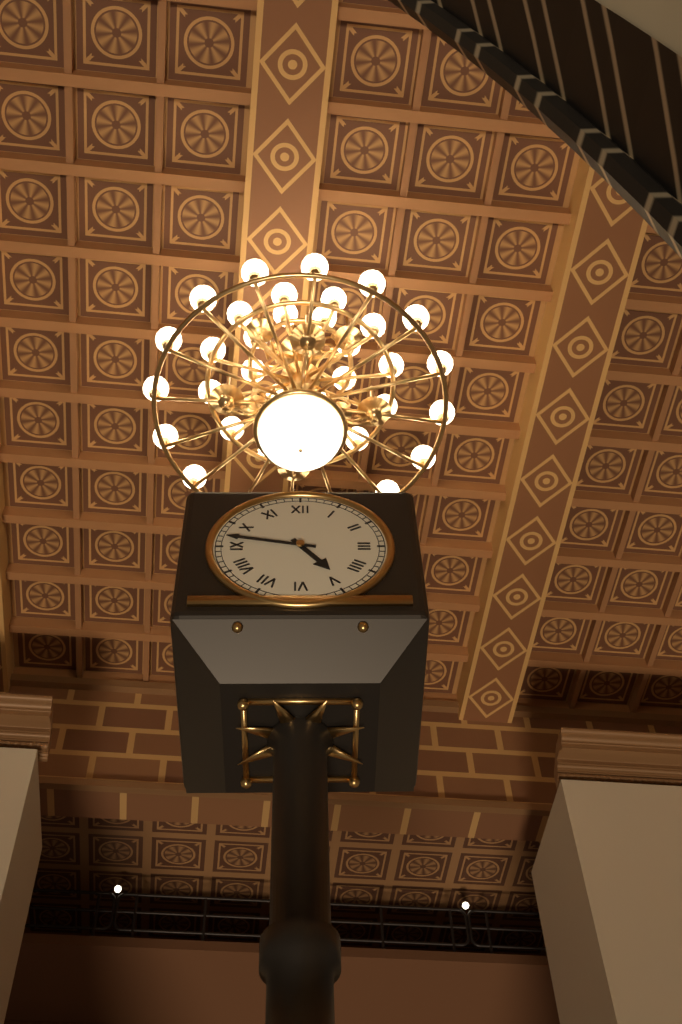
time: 4:47
